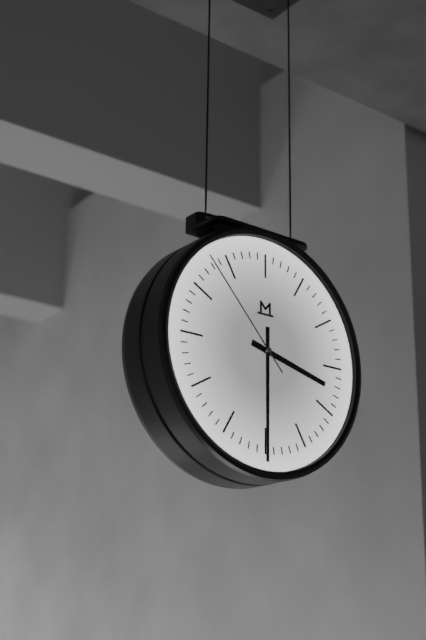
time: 3:30:53
